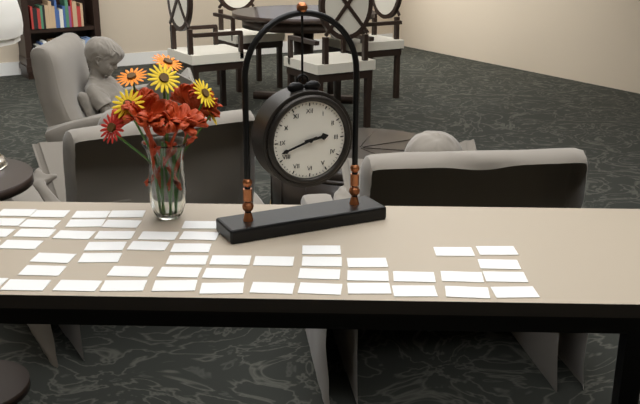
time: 2:42
